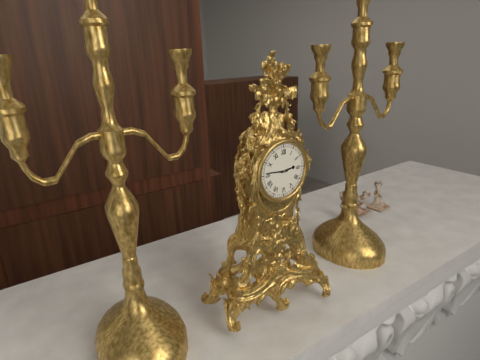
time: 2:46
